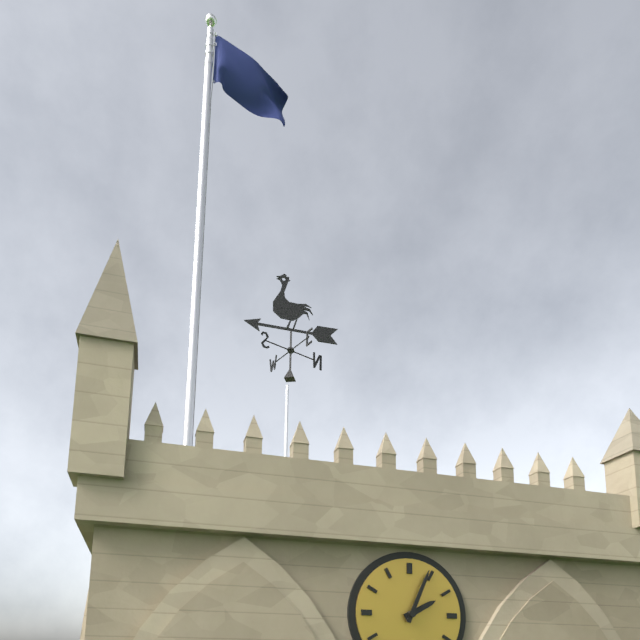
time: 2:04
